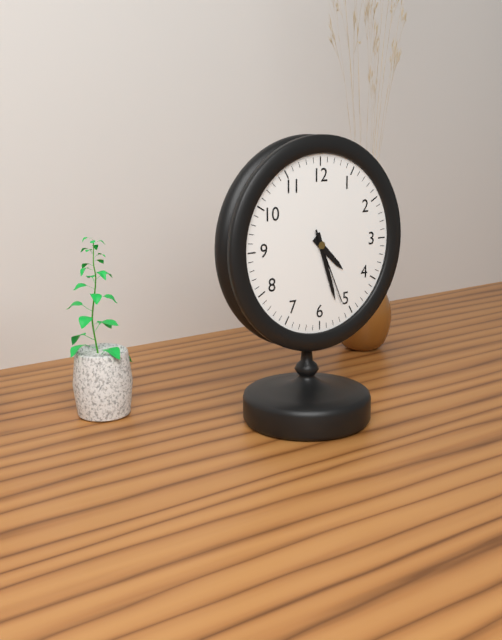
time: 4:27:26
